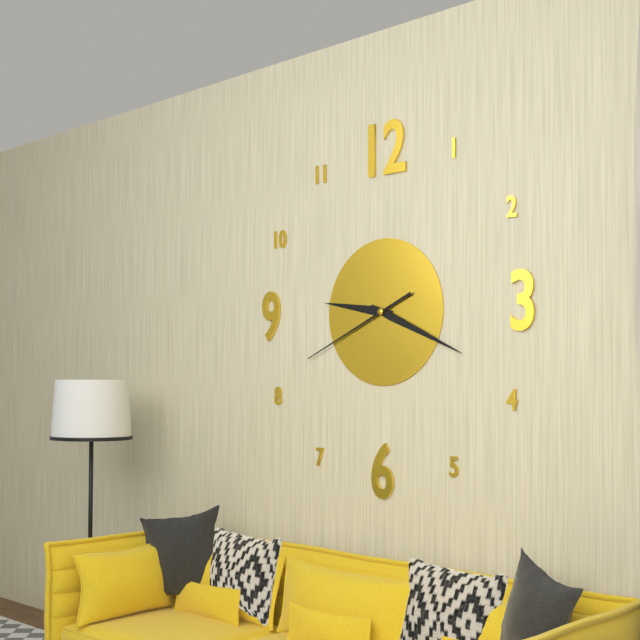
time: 9:19:41
